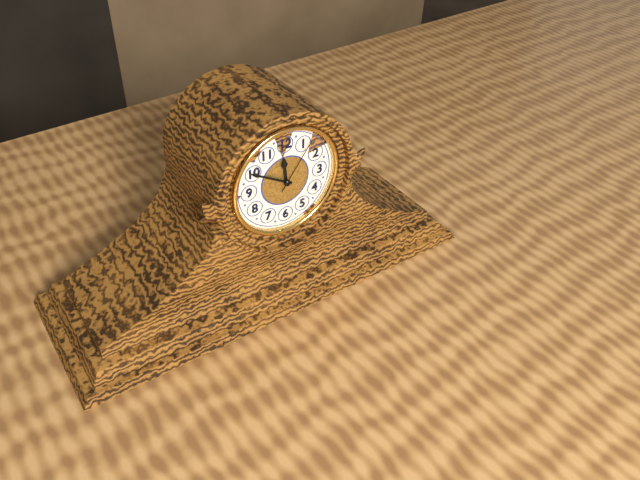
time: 11:50:06
